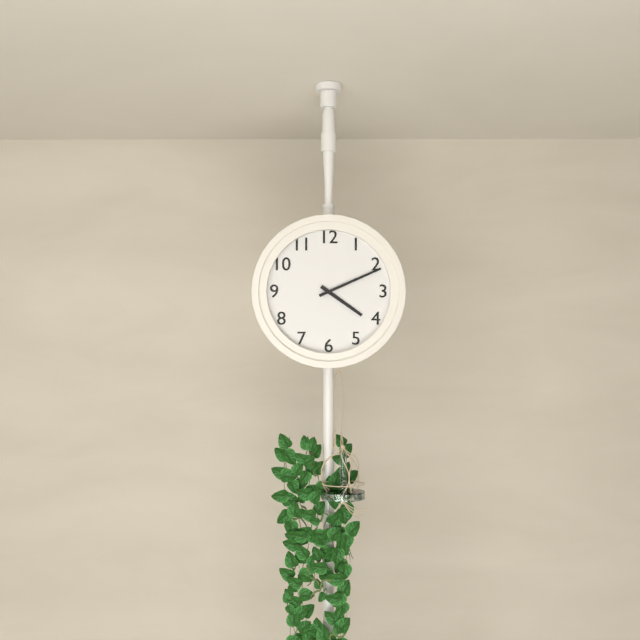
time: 4:11
